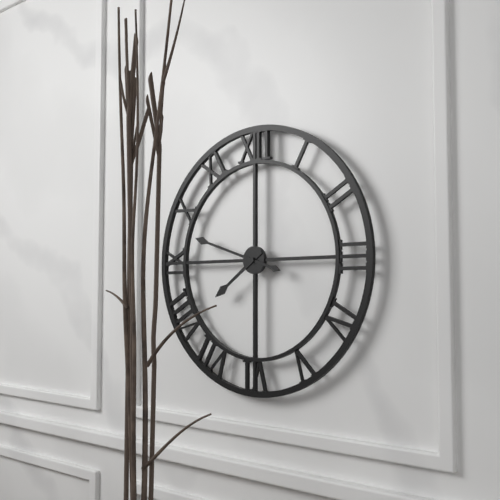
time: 7:48
